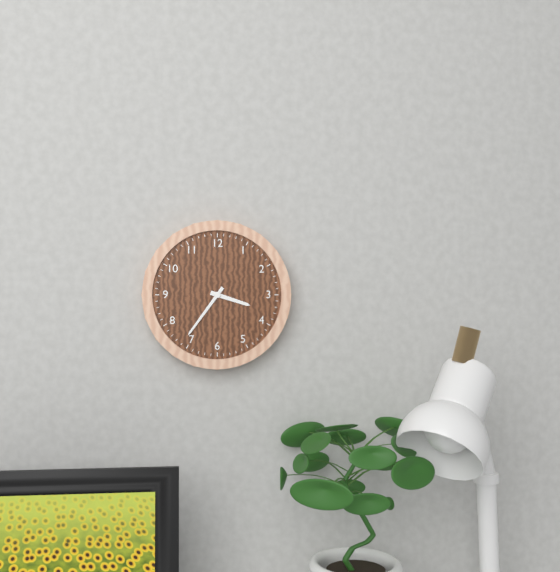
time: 3:36
